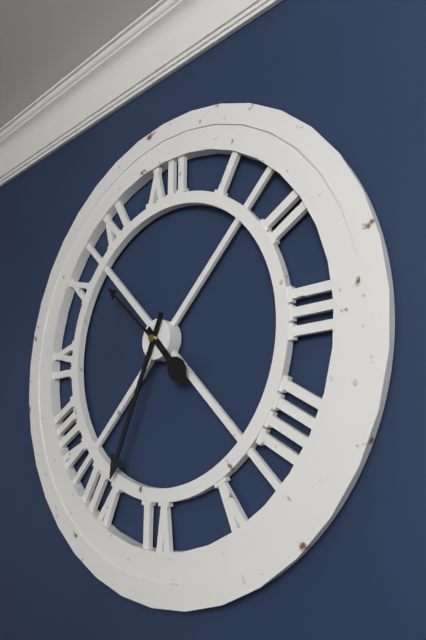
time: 4:34:52
